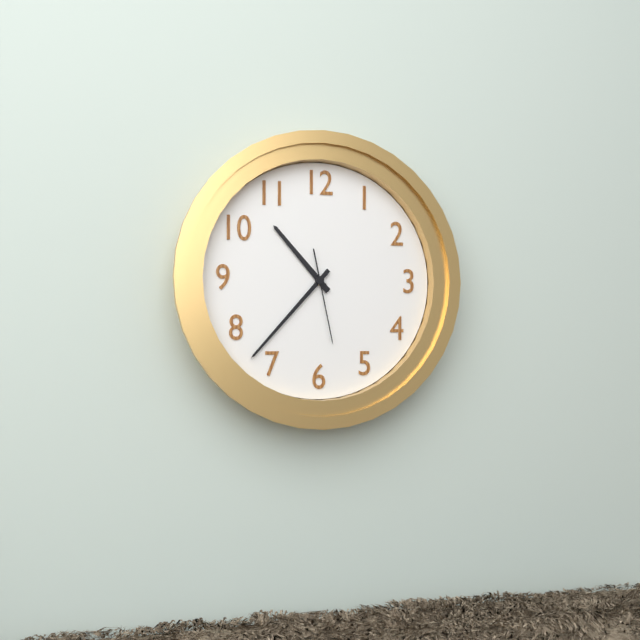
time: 10:37:28
